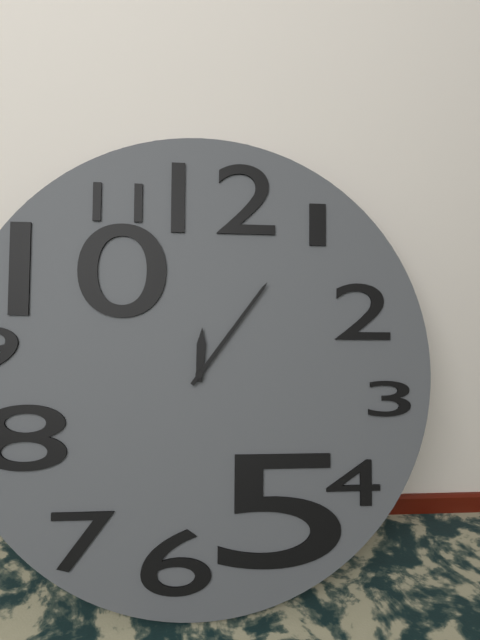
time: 12:06
